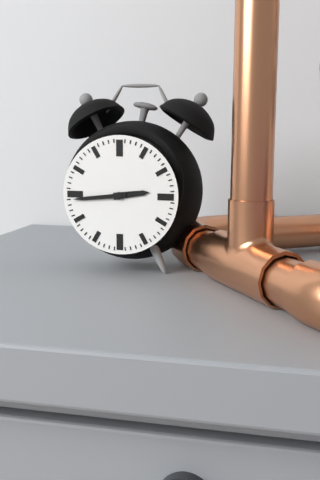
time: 2:44
